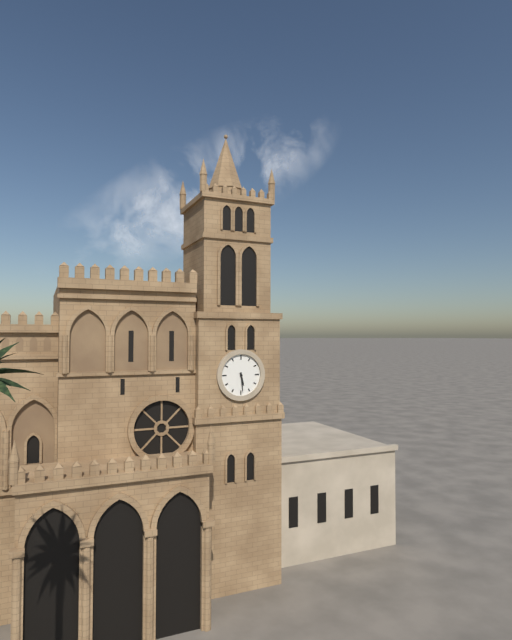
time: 5:29
